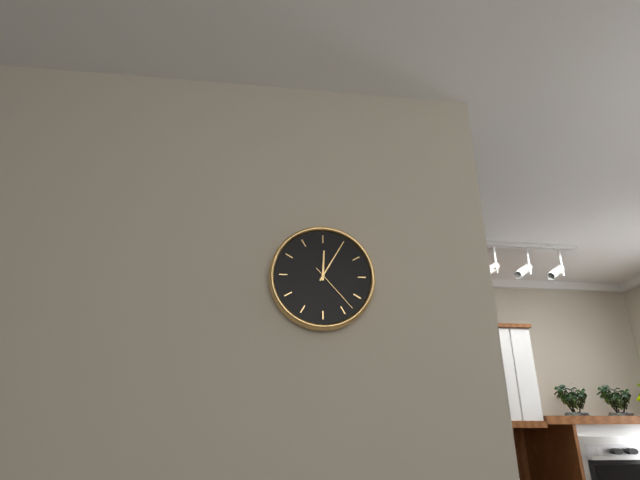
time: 12:05:23
